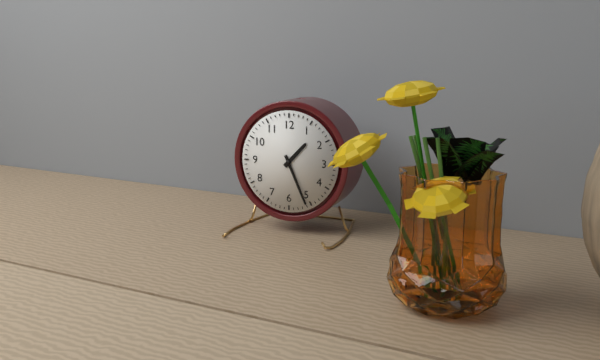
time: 1:26
